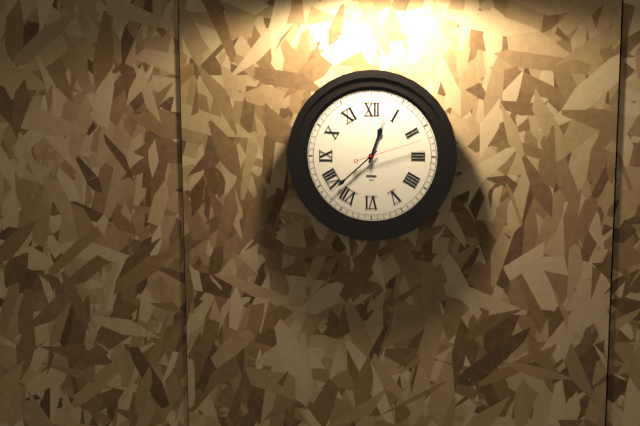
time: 12:38:12
